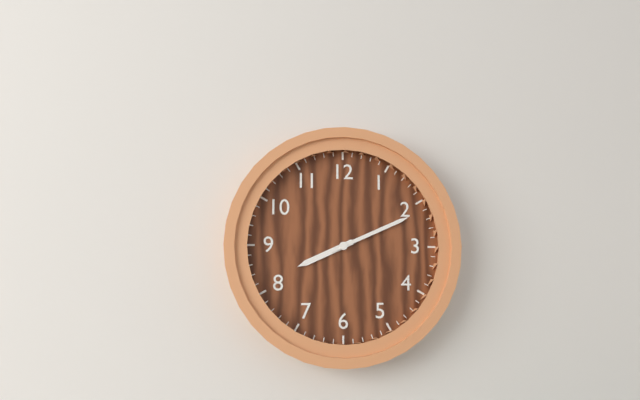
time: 8:11
